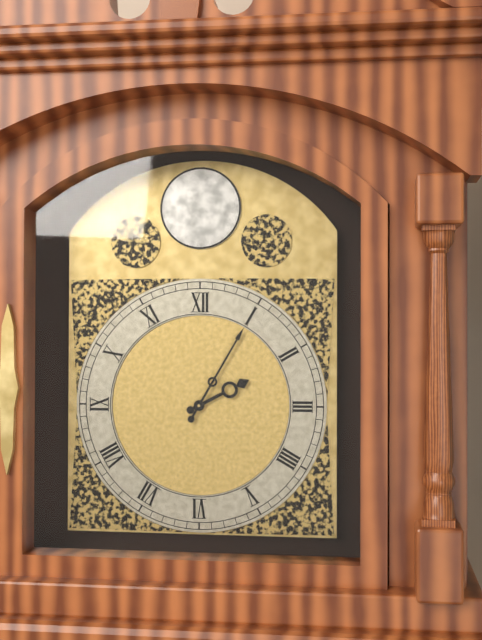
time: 2:05
